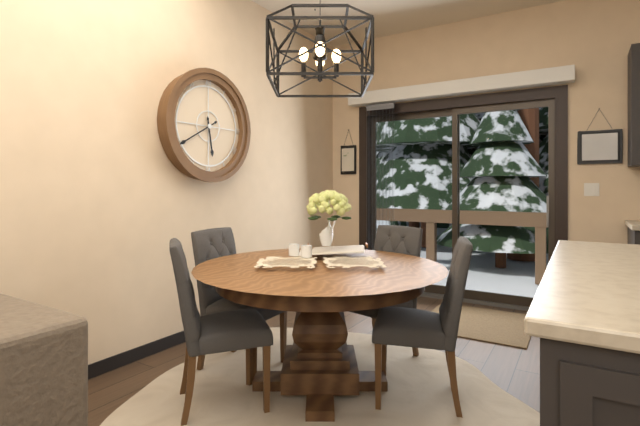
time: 5:40
